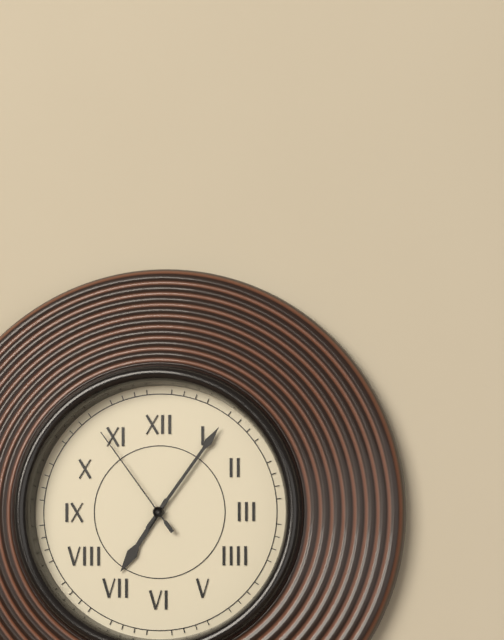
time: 7:06:54
